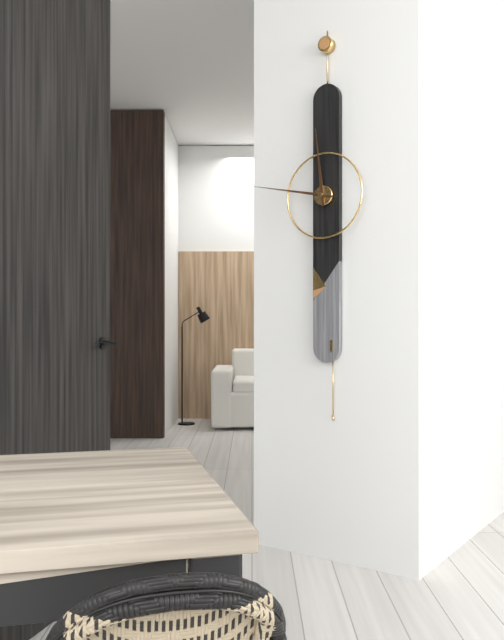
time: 11:47
